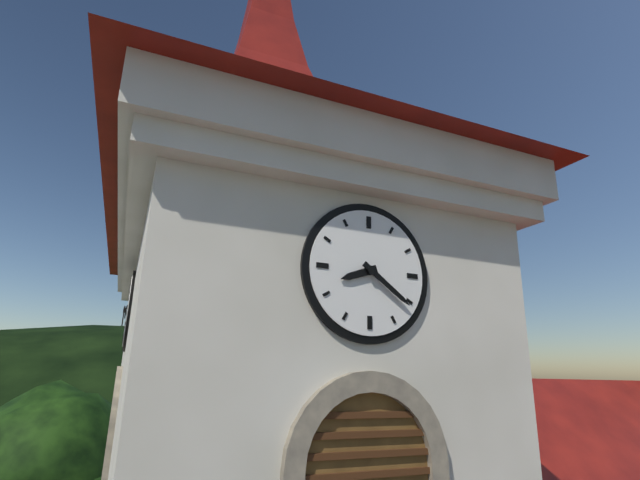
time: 8:21
